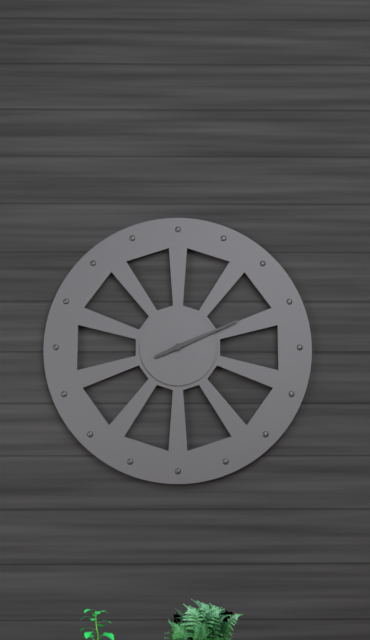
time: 2:11
